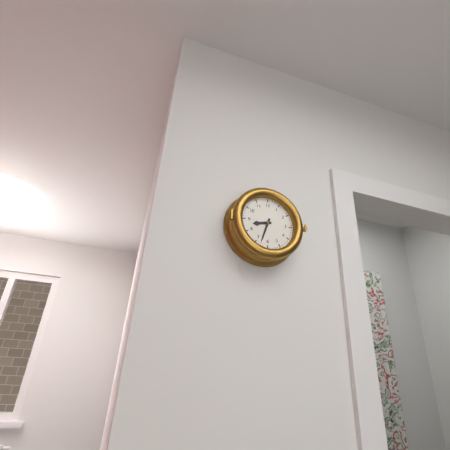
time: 8:33
